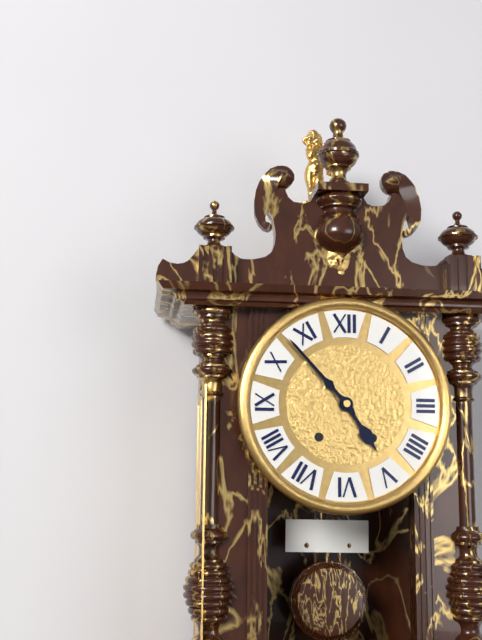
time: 4:53
